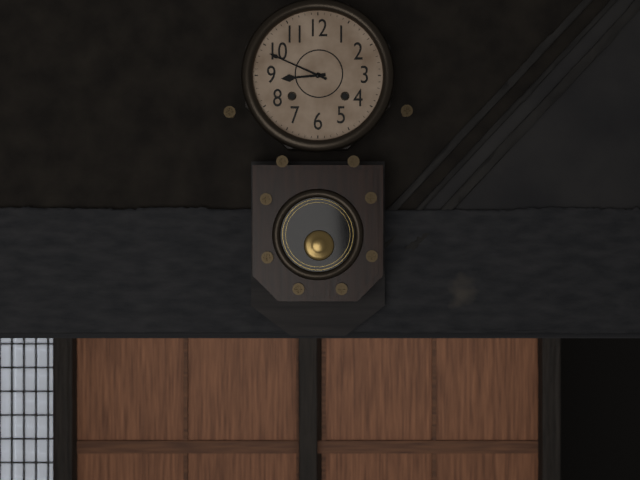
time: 8:49
